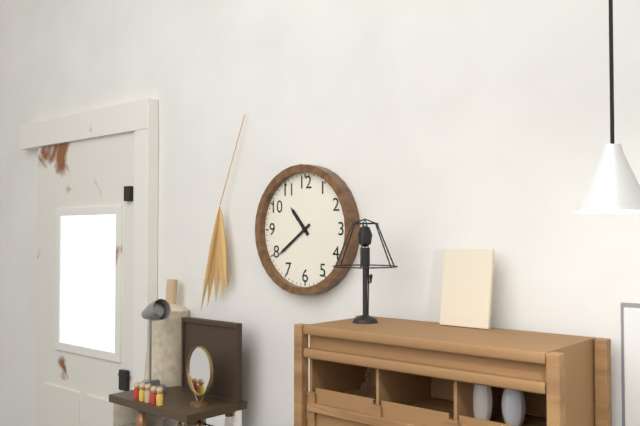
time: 10:39
